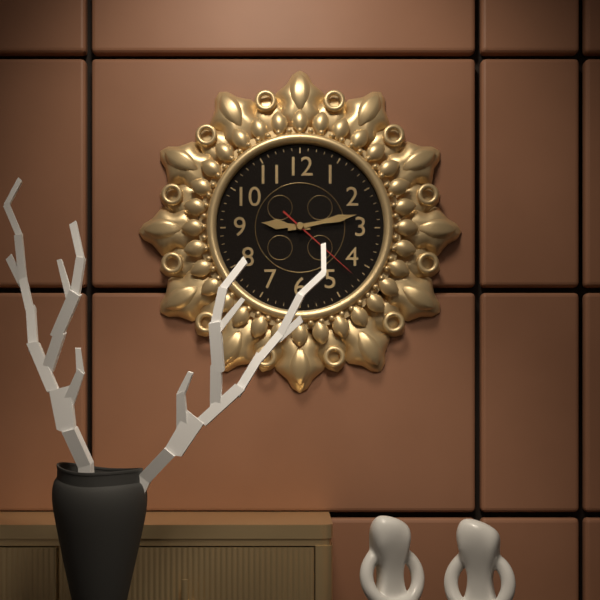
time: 9:13:22
